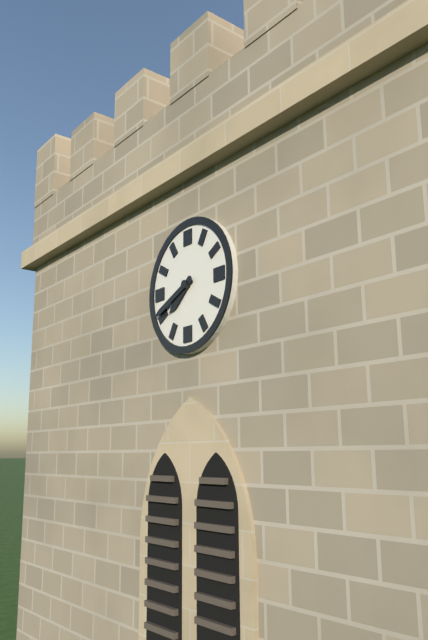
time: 7:41
